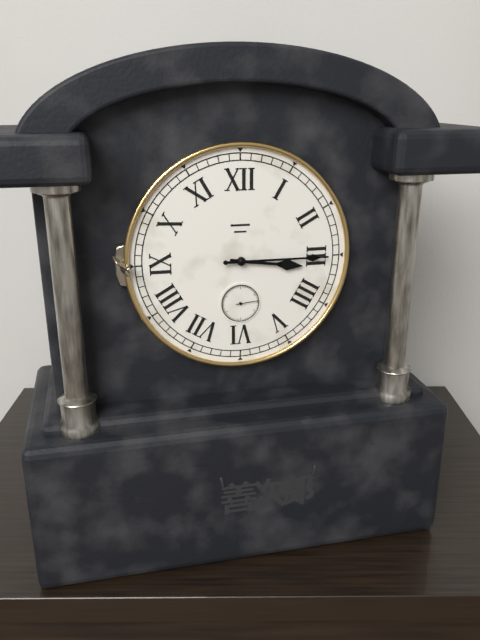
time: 3:15
